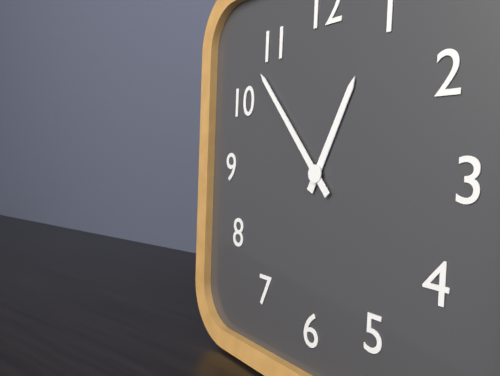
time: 12:53
